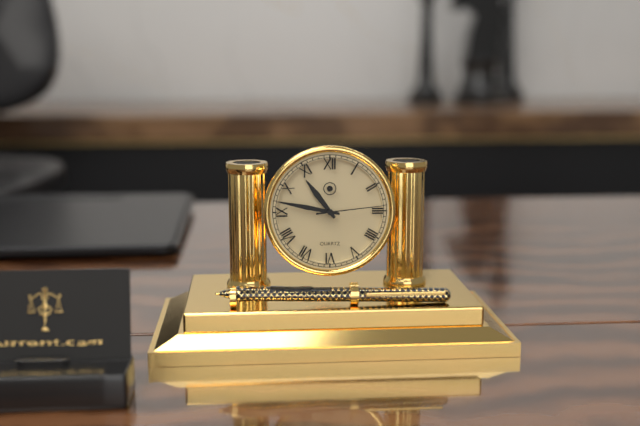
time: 10:47:14
